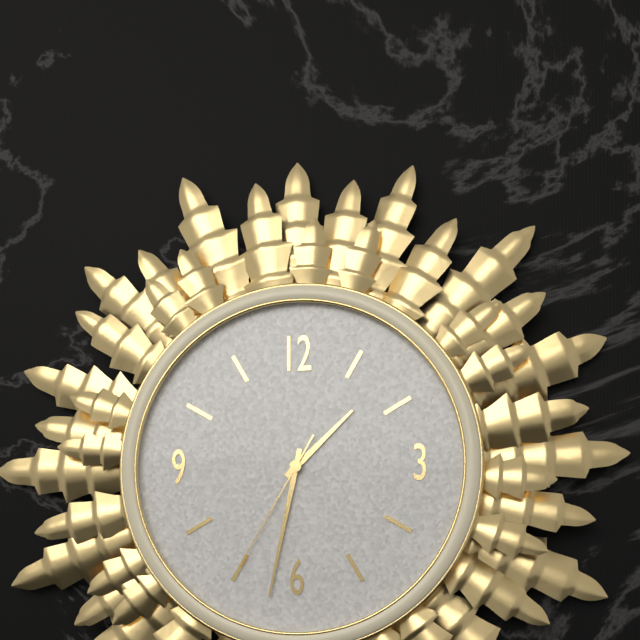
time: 1:32:35
